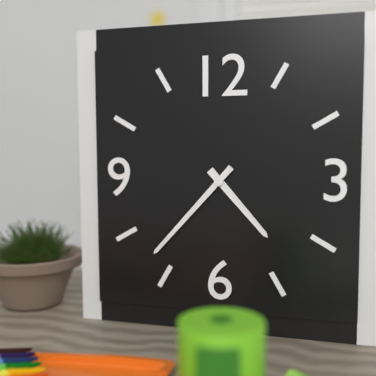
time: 4:37
